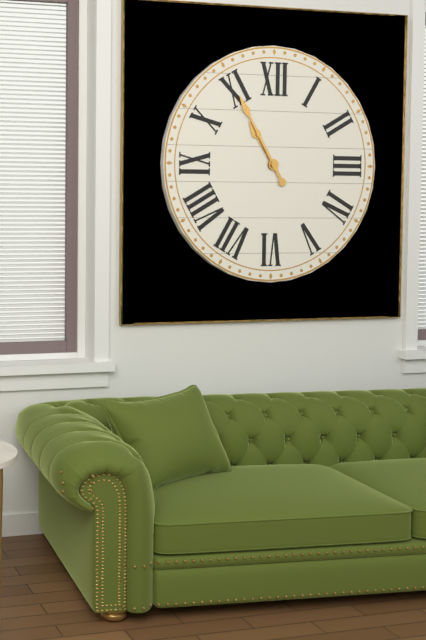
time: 10:55
